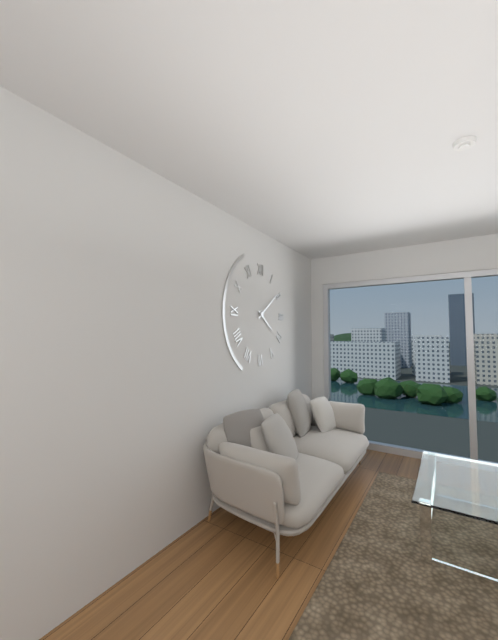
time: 4:09
